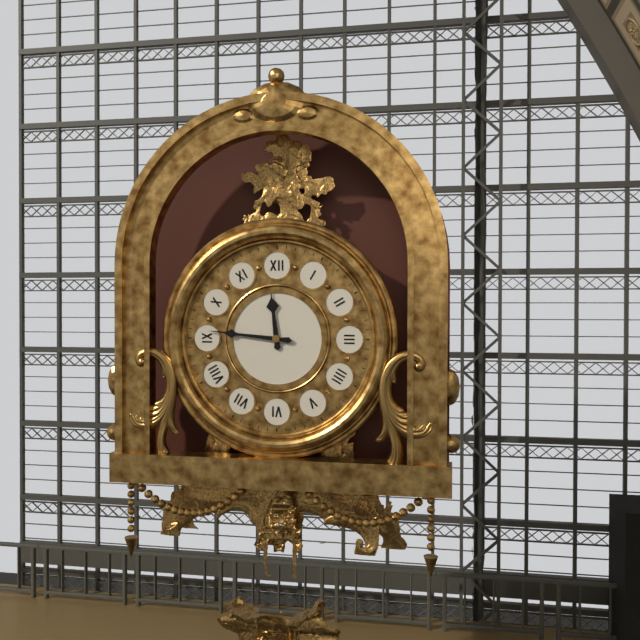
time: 11:46
